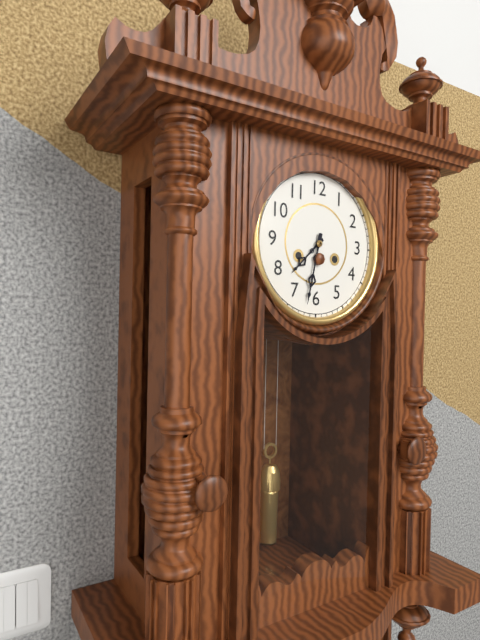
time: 7:32
